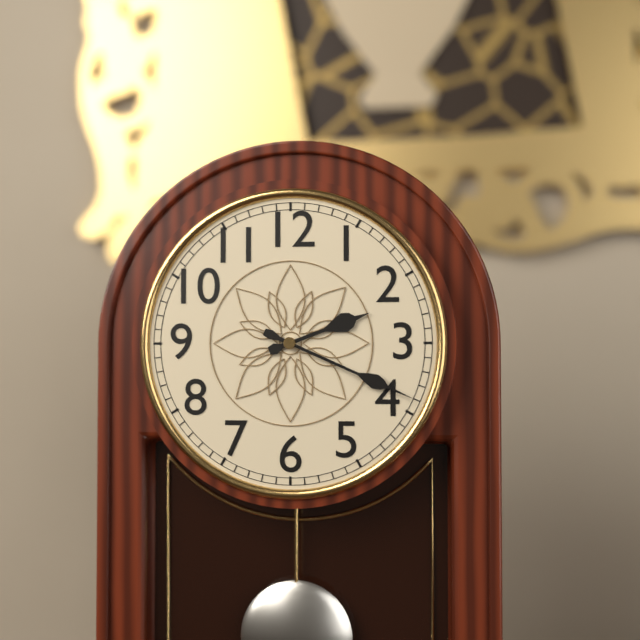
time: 2:19
